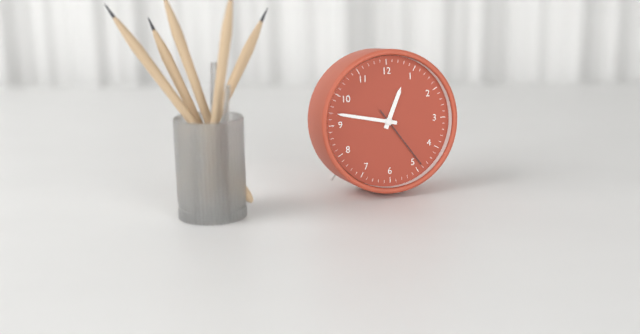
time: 12:47:24
